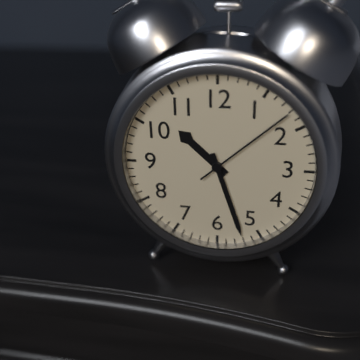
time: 10:27:08
